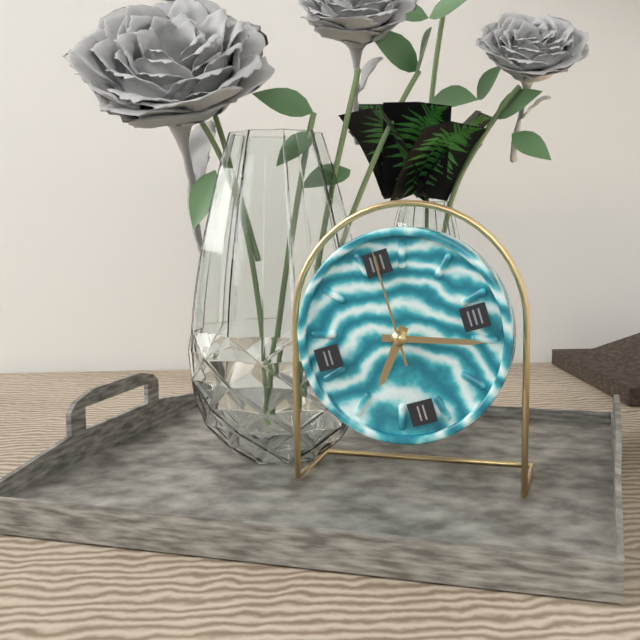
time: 7:18:00
